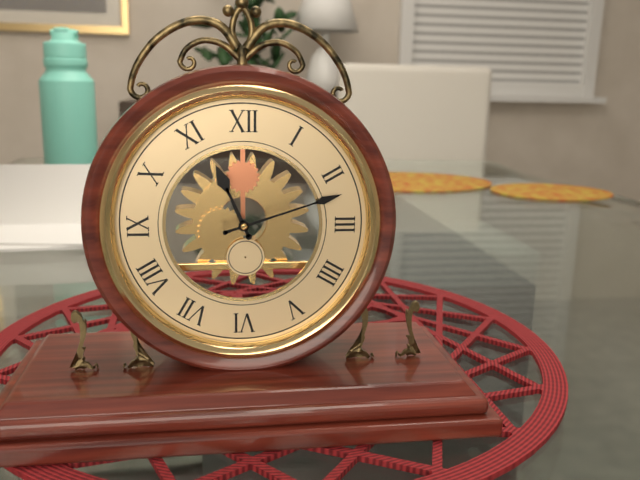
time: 11:12
